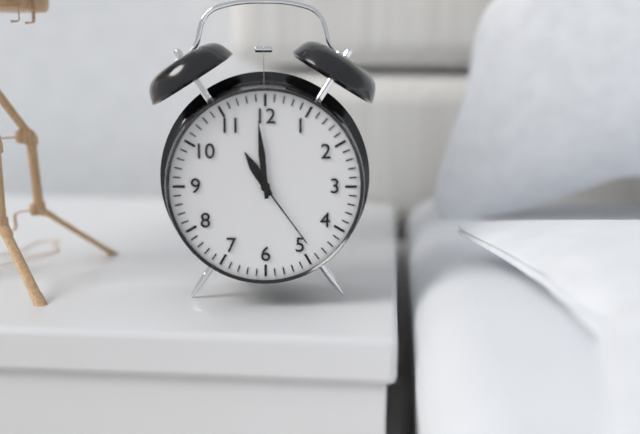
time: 10:59:24
